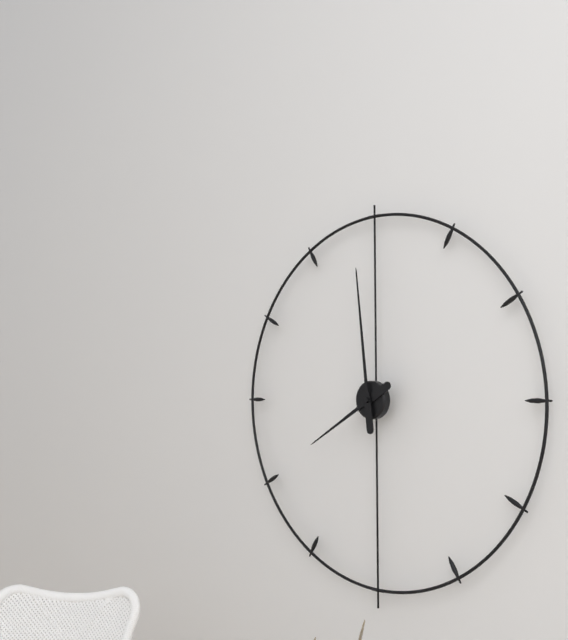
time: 7:59
